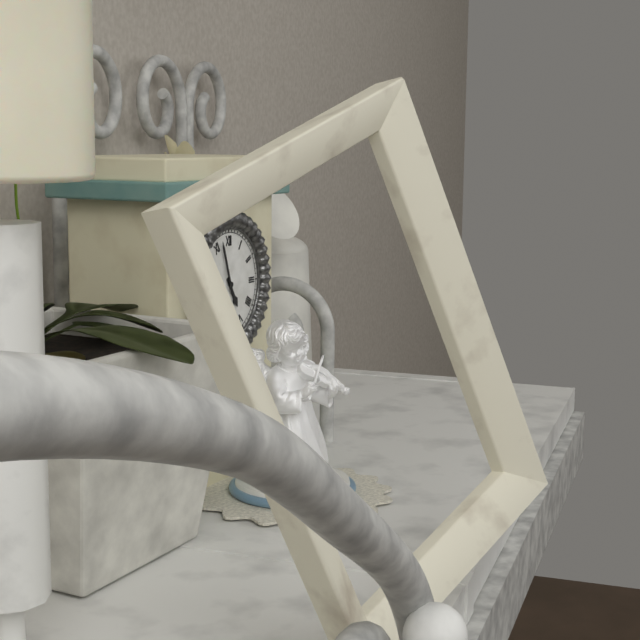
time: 4:57
